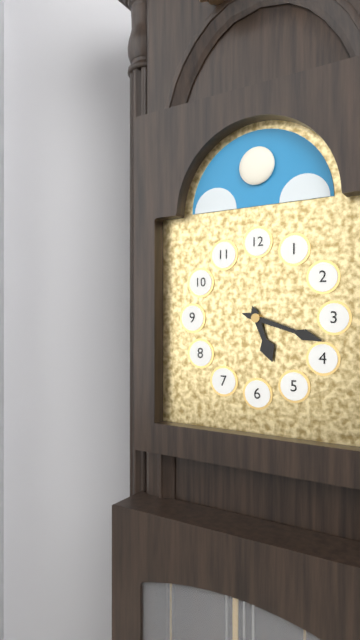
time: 5:18
